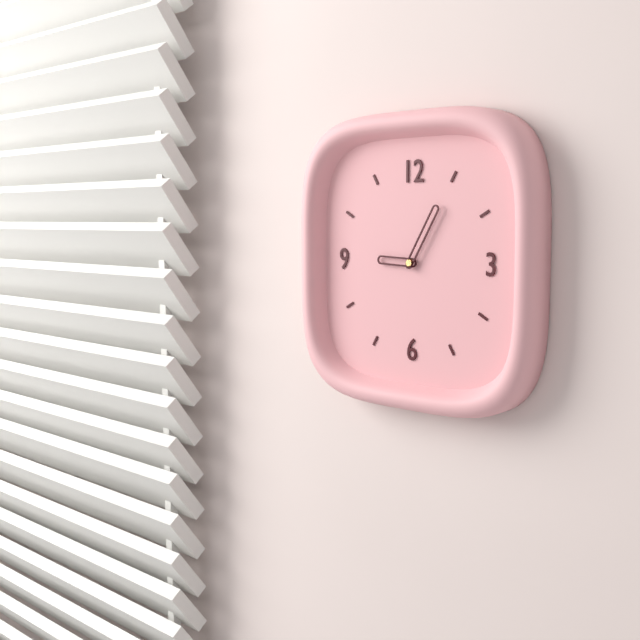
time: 9:05
